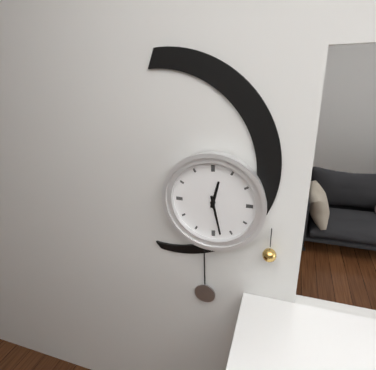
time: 12:28
